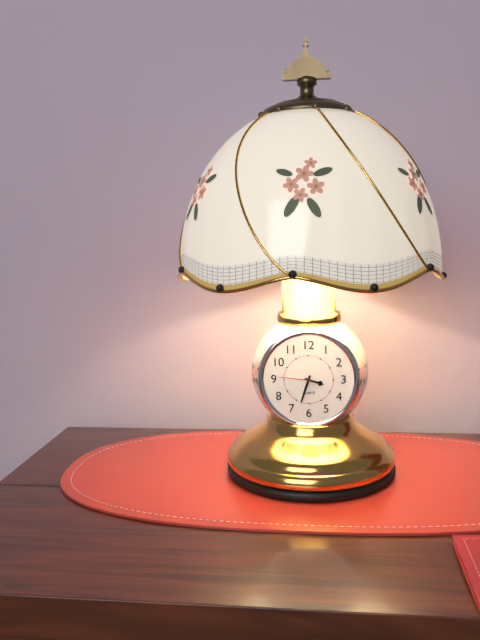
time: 3:33
